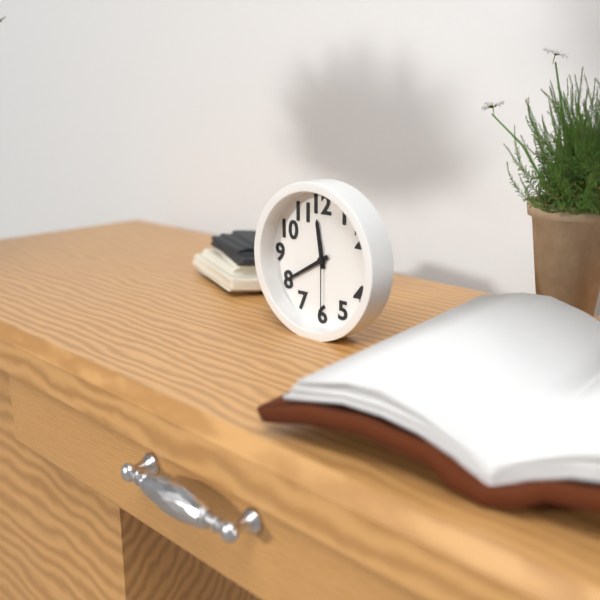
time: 11:40:30
